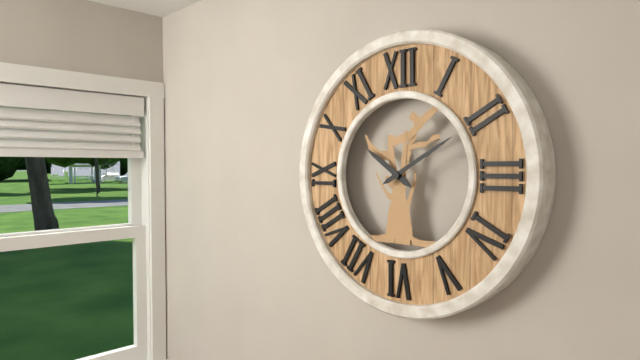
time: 10:10
